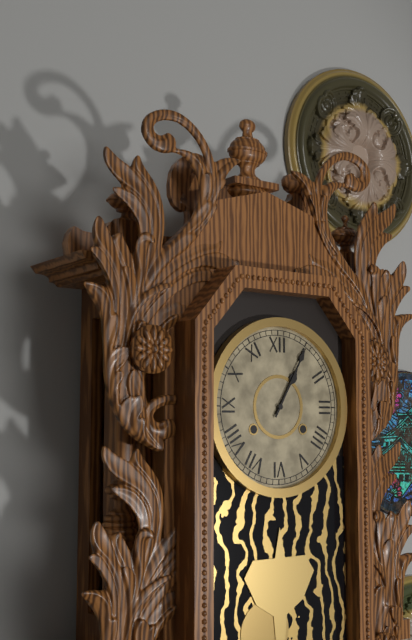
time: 1:05
